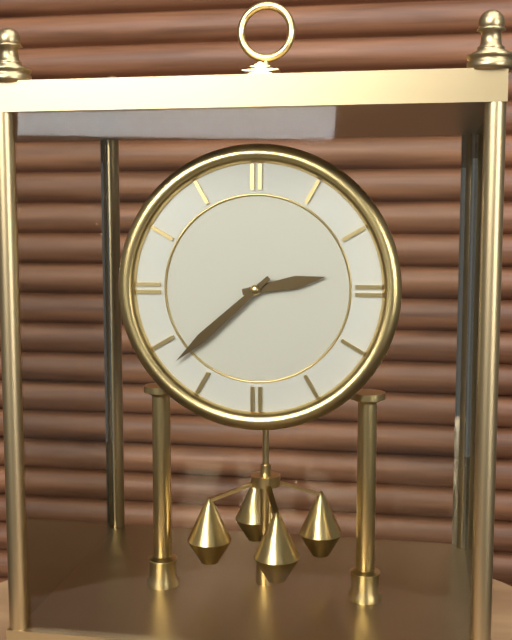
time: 2:38
